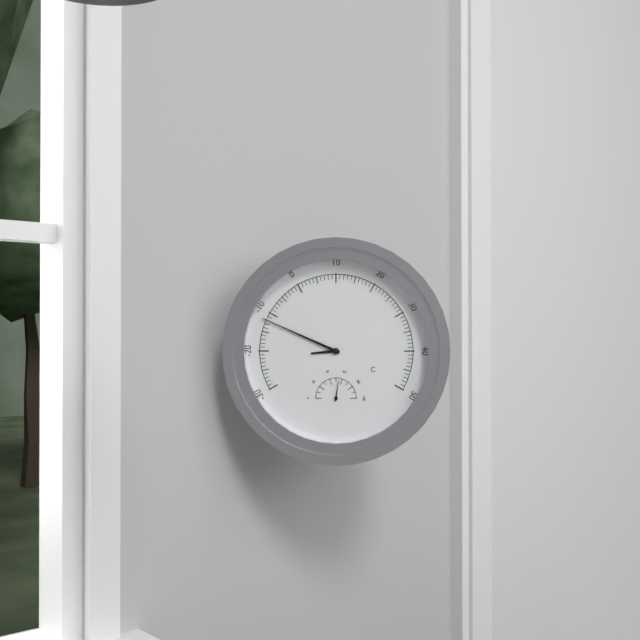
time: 8:49
